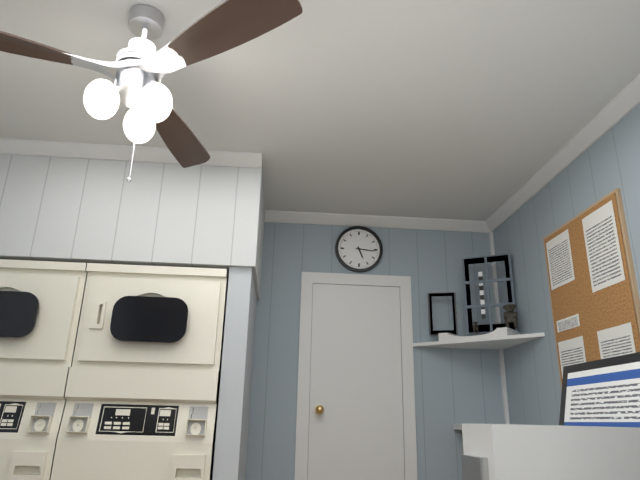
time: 5:16
